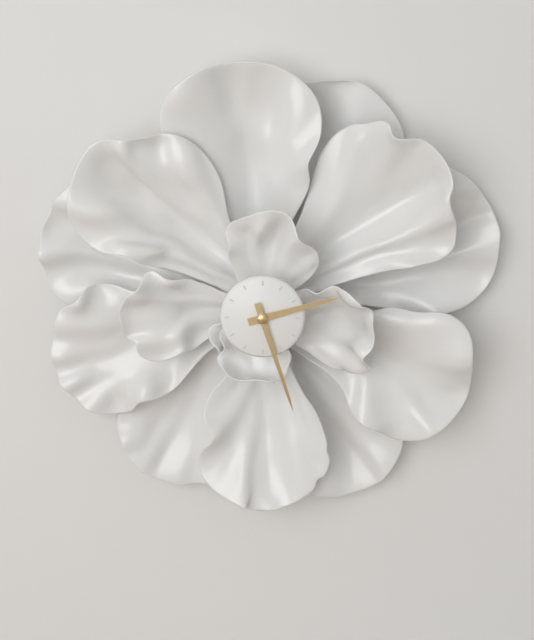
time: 2:27
